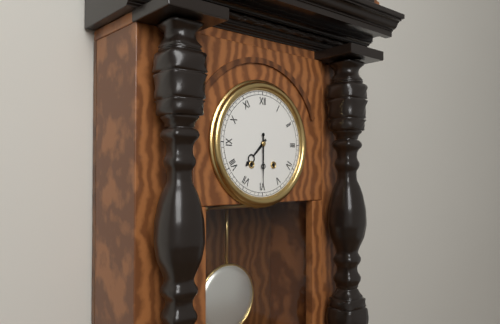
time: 7:30
